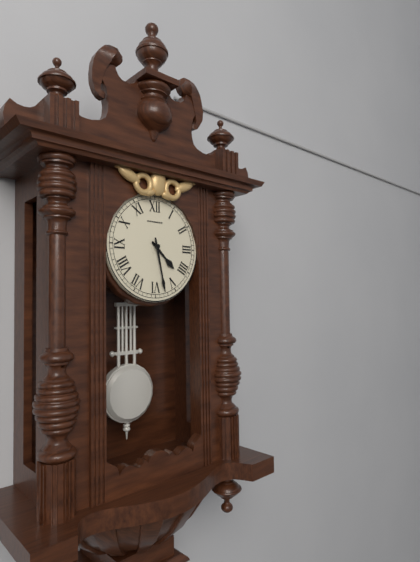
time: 4:28
